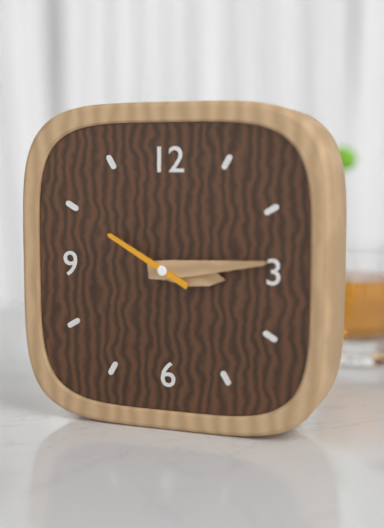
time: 3:14:50
